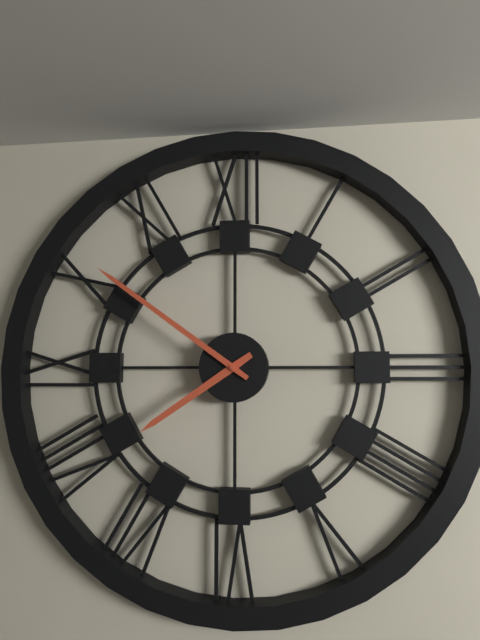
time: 7:51
